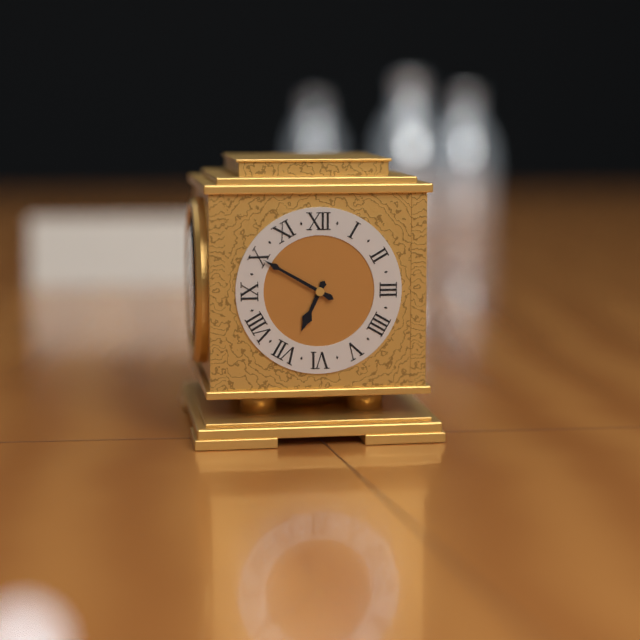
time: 6:50
